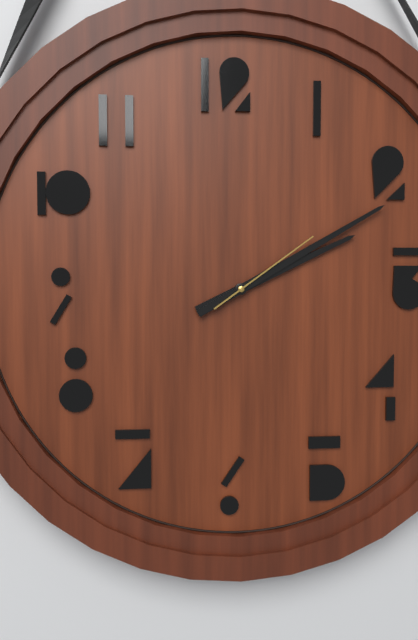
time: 2:10:09
